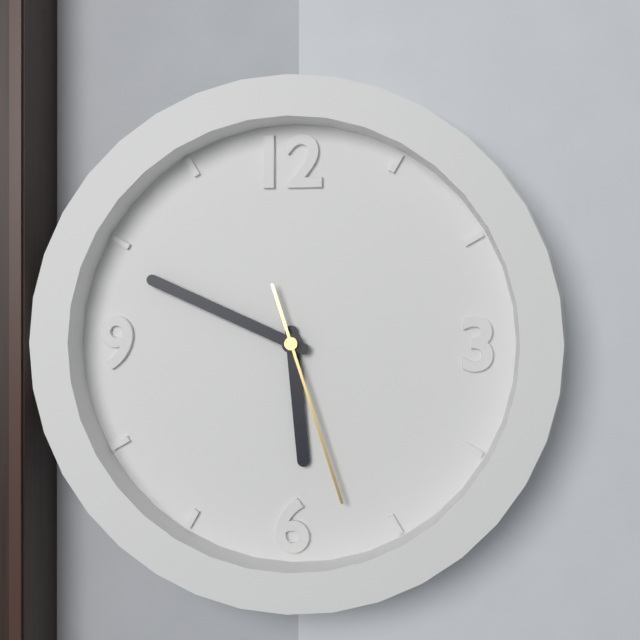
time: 5:49:27
